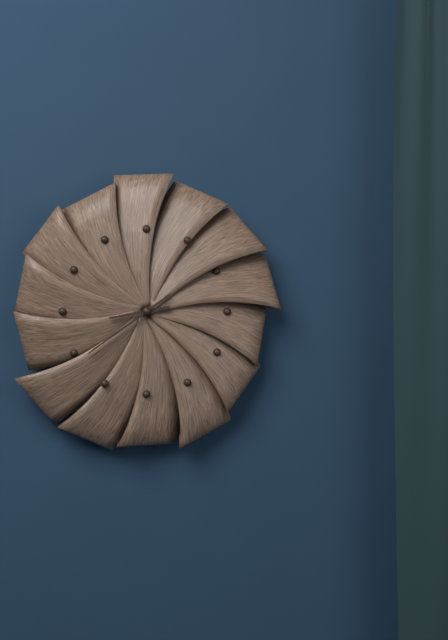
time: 8:39
